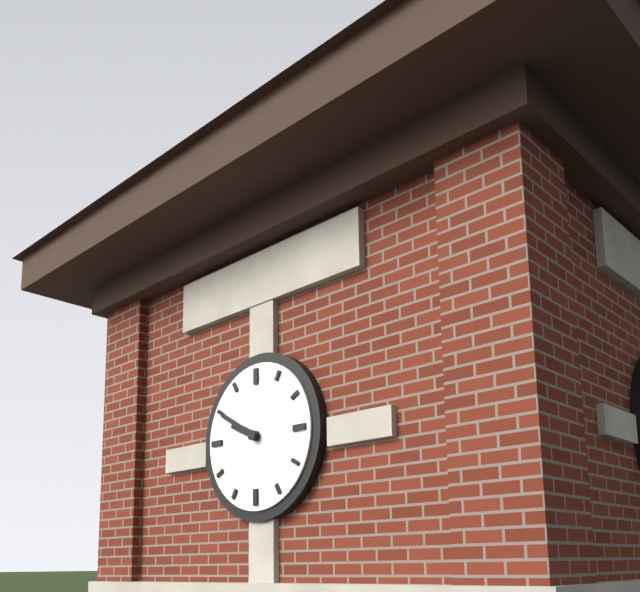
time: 9:50
